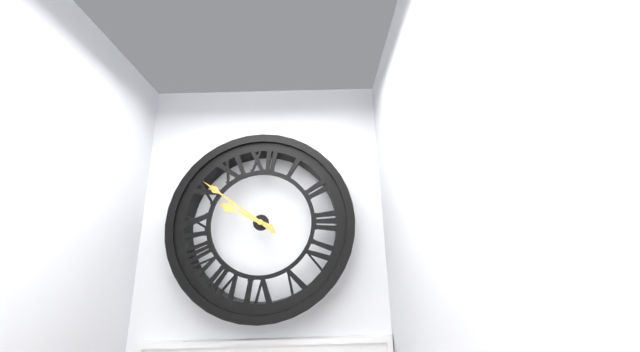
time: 9:51
